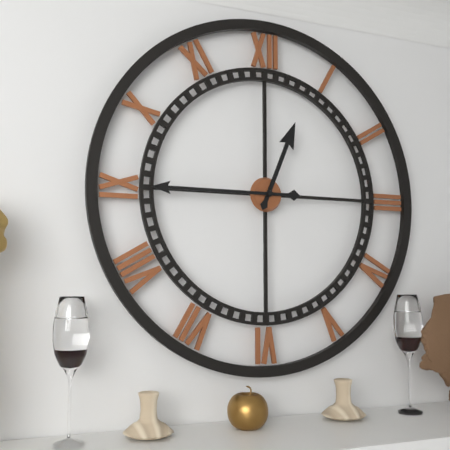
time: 12:45
